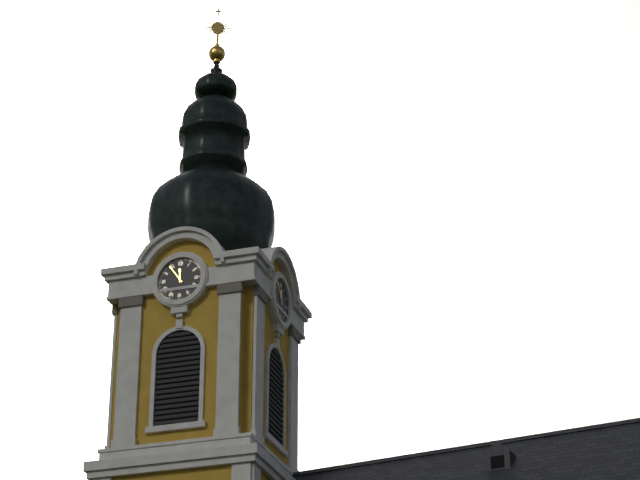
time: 11:54
